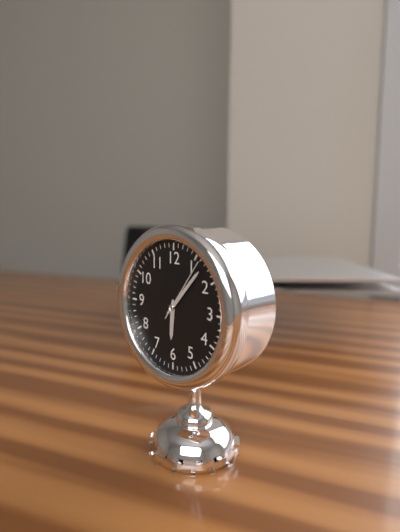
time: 6:07:06
